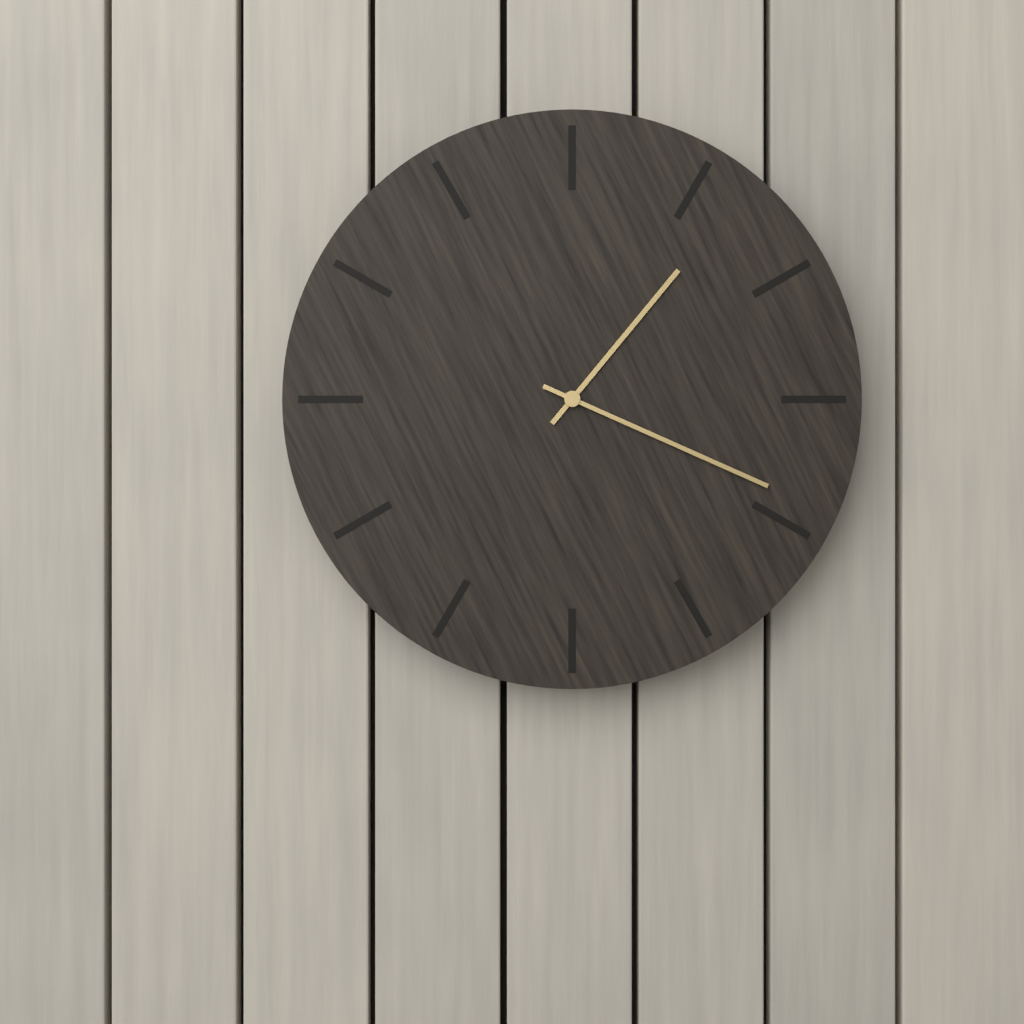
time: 1:19
